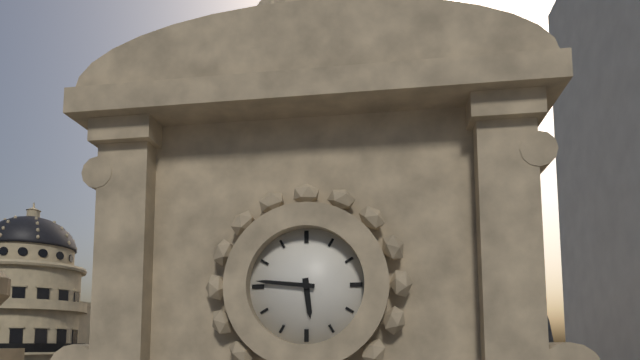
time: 5:46
